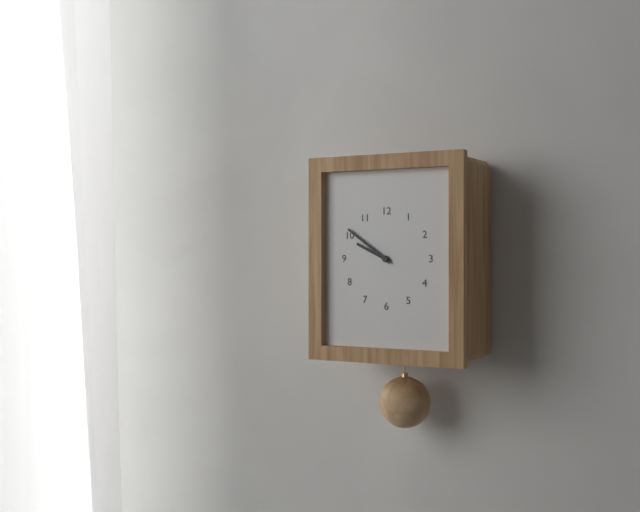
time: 9:51
